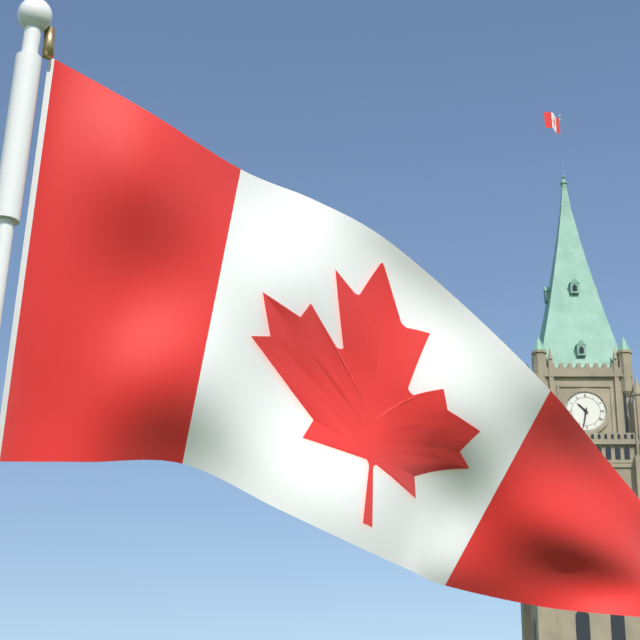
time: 10:32
